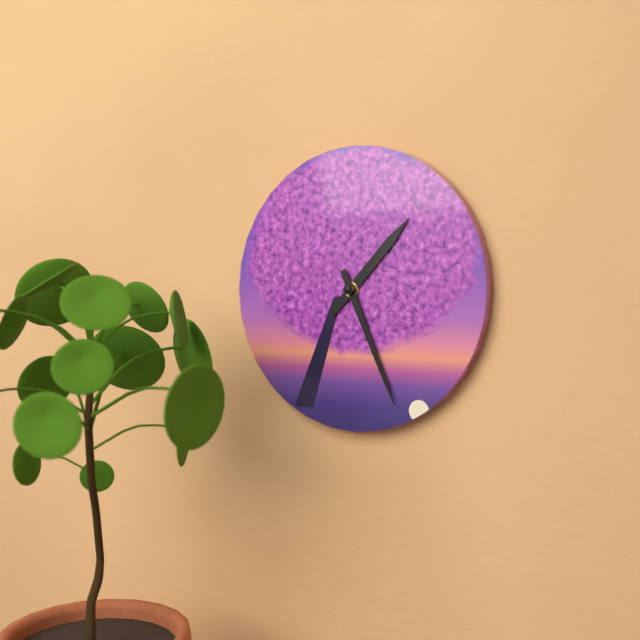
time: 1:26
